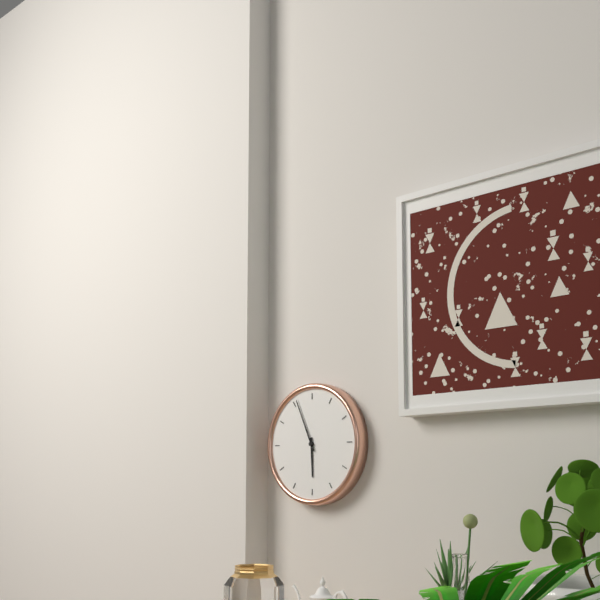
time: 5:56
